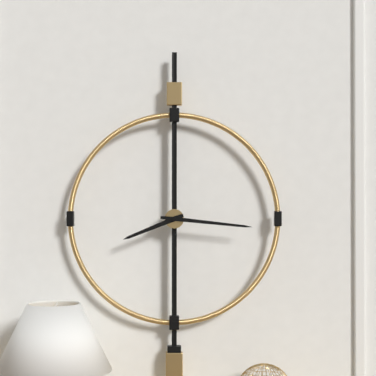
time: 8:16
